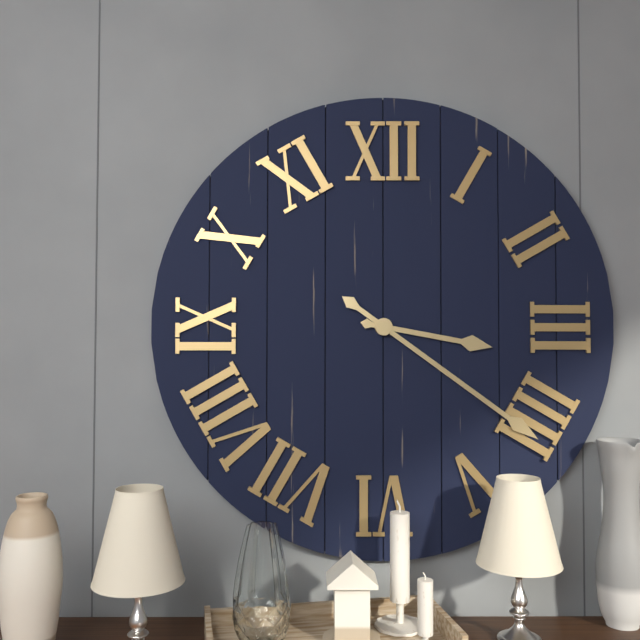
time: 3:21
